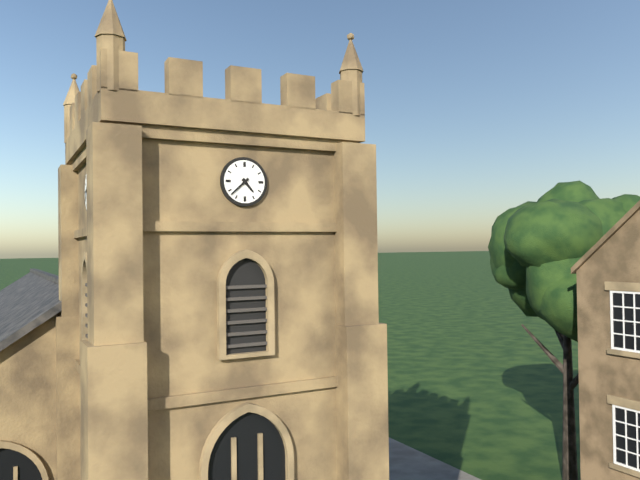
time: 4:38
